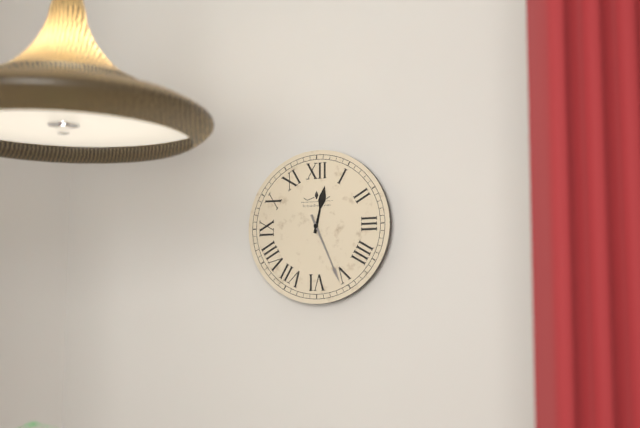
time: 12:26
